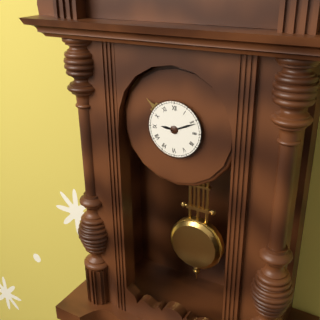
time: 9:11
